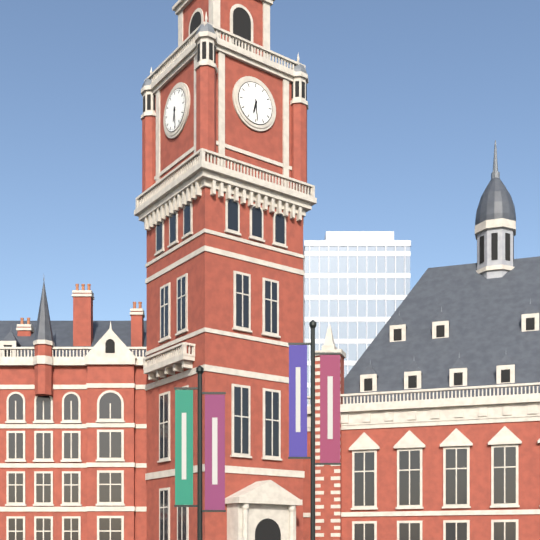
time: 6:29
